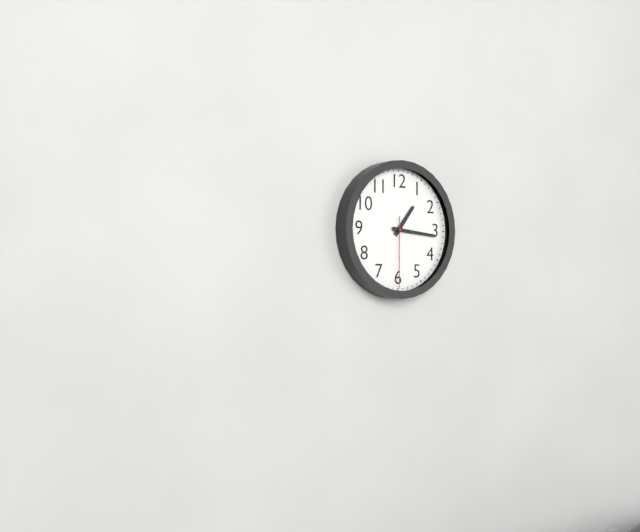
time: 1:16:30
